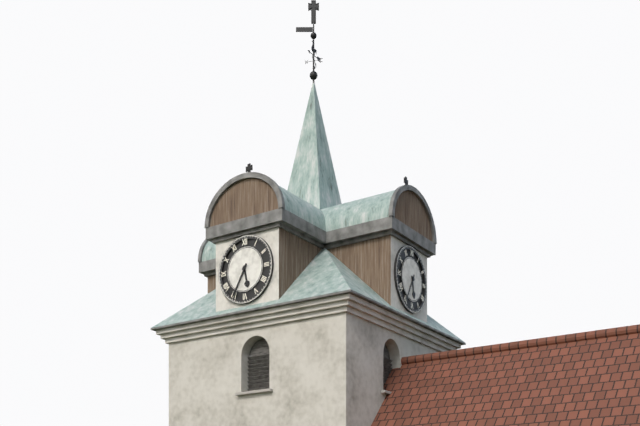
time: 5:35
